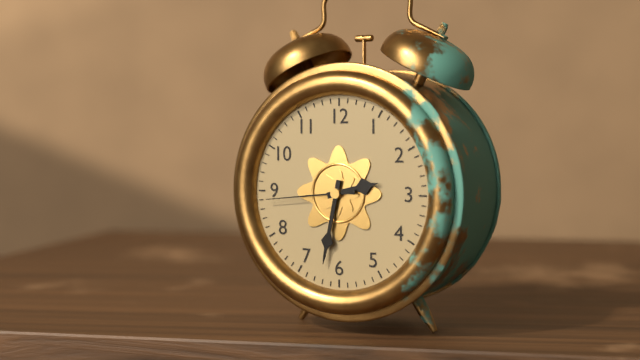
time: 2:32:44
